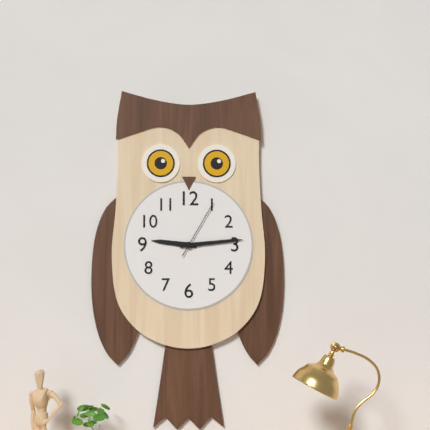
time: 9:14:05
